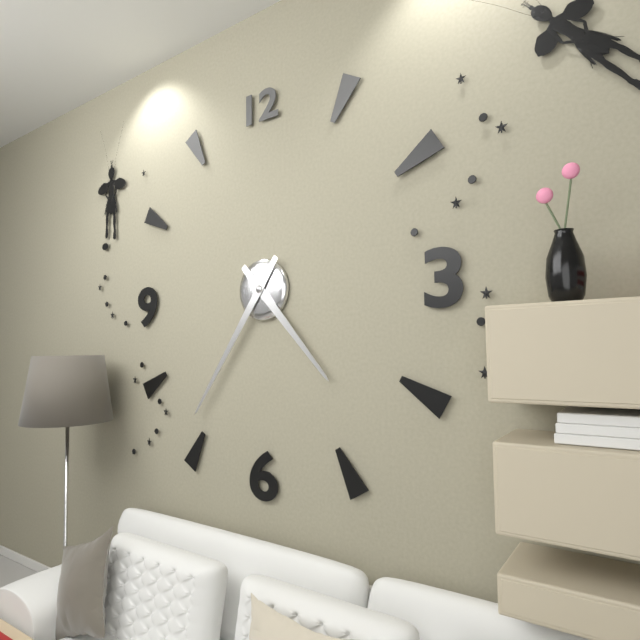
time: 4:36
